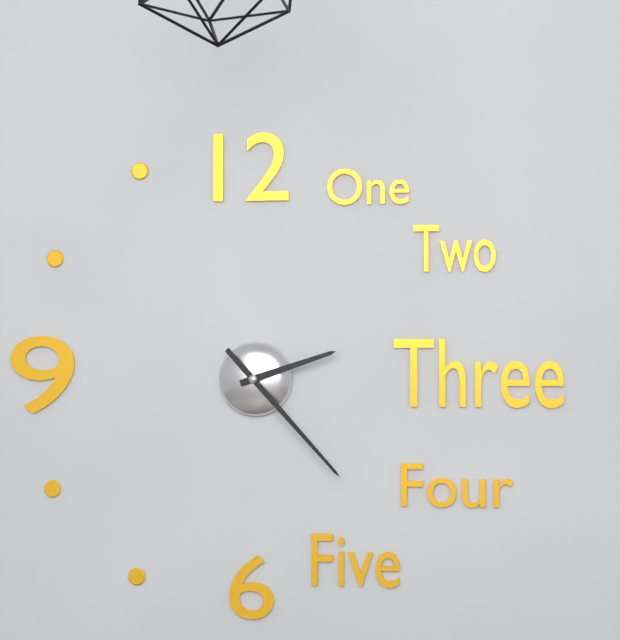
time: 2:23
